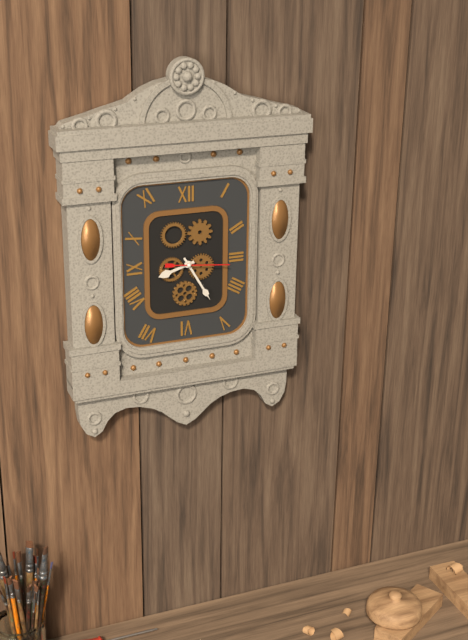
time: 8:25:16
